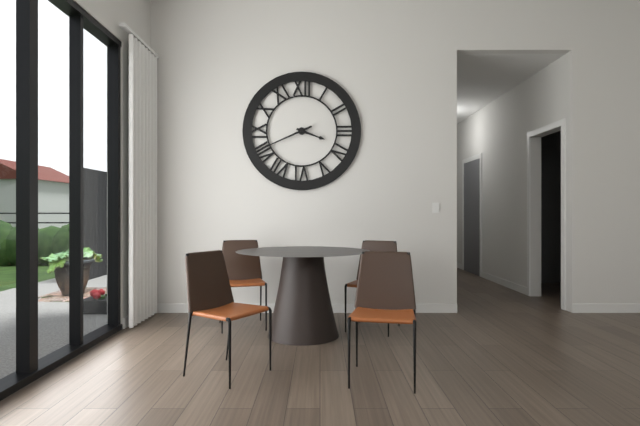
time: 3:41
